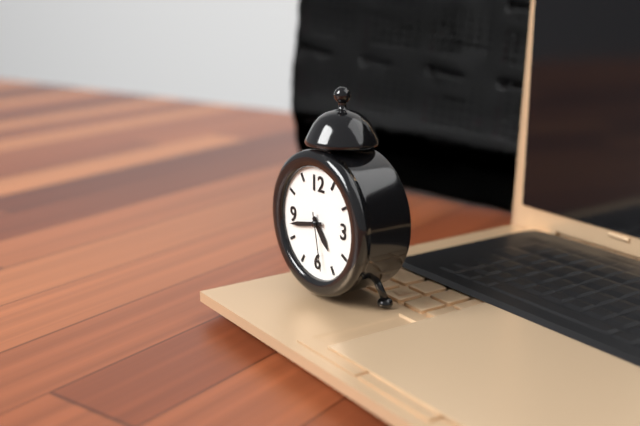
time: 4:43:28
